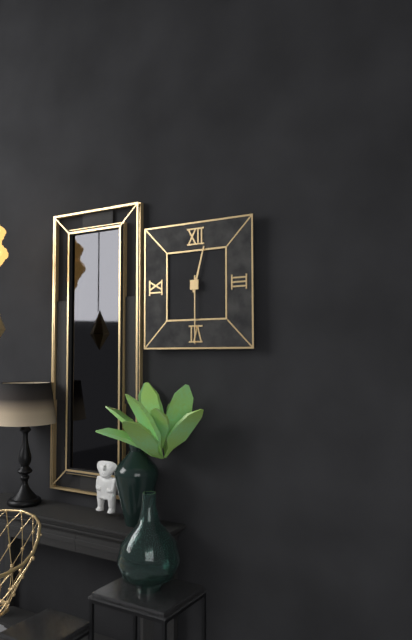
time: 12:30
